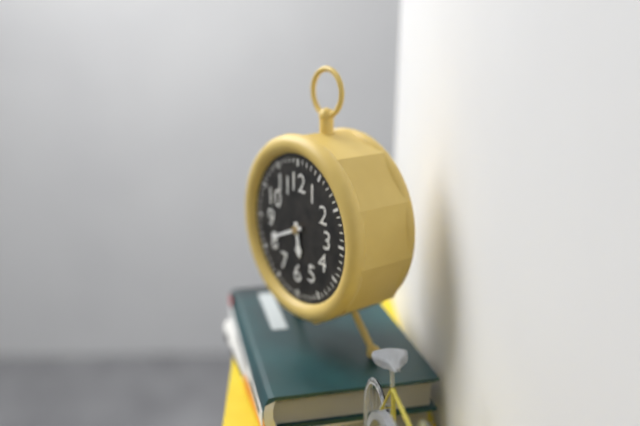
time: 5:41
